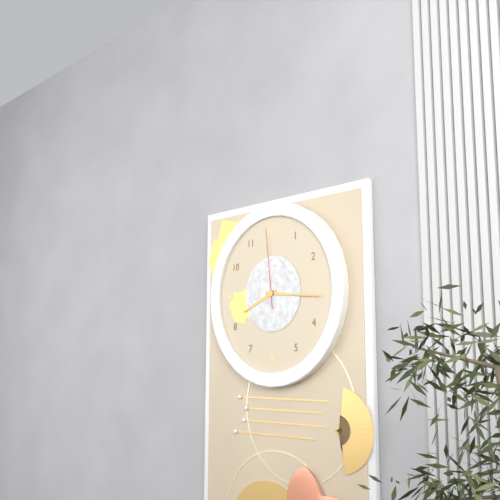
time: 8:16:59
